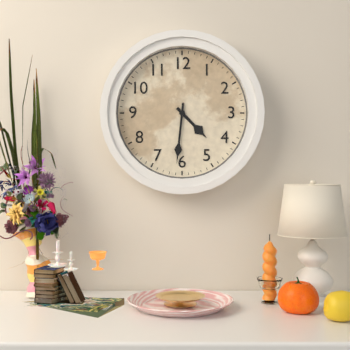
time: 4:31
